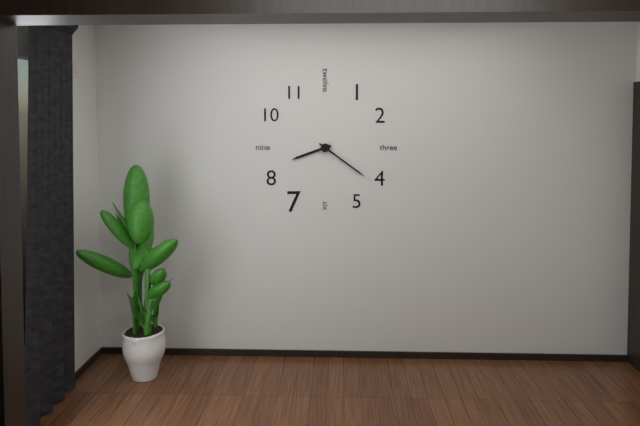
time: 8:21
